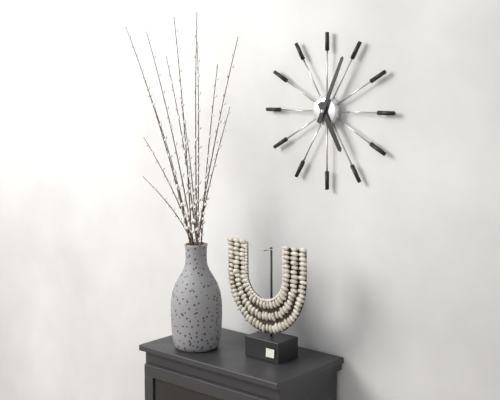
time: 5:04
